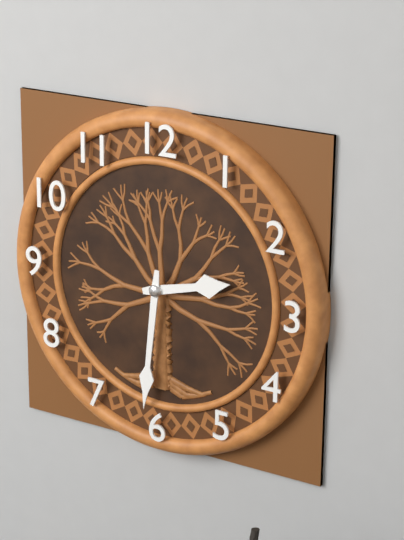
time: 2:31
